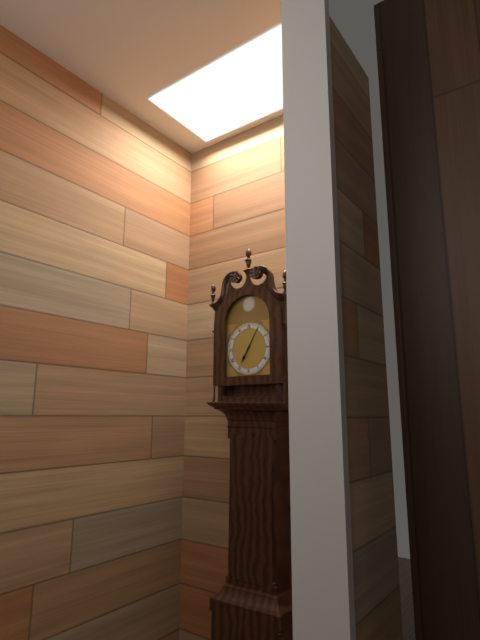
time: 7:05
